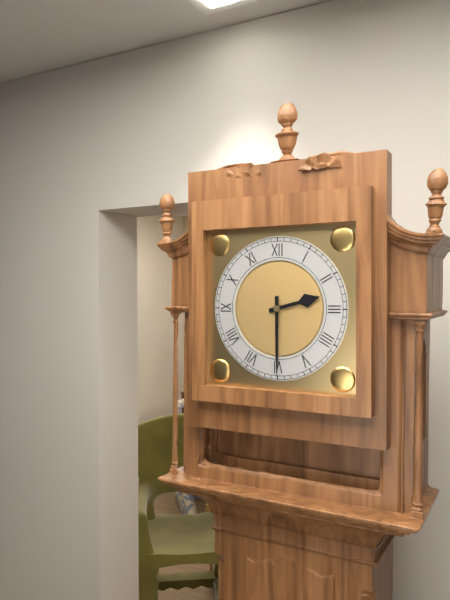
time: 2:30
